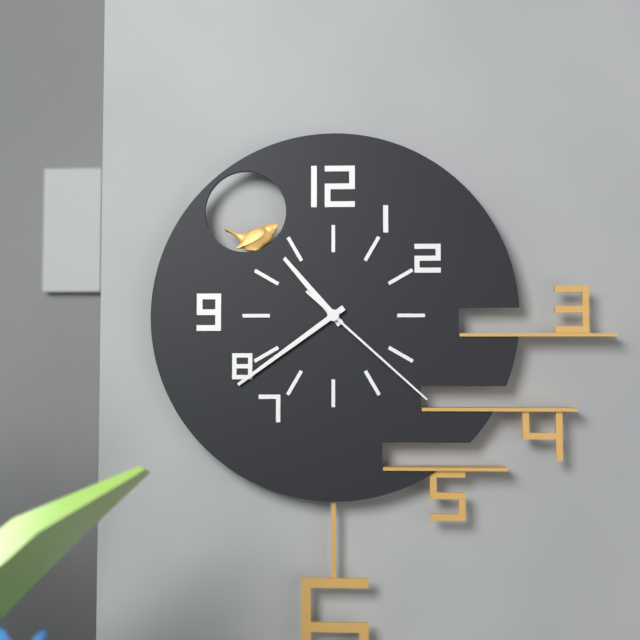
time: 10:39:22
